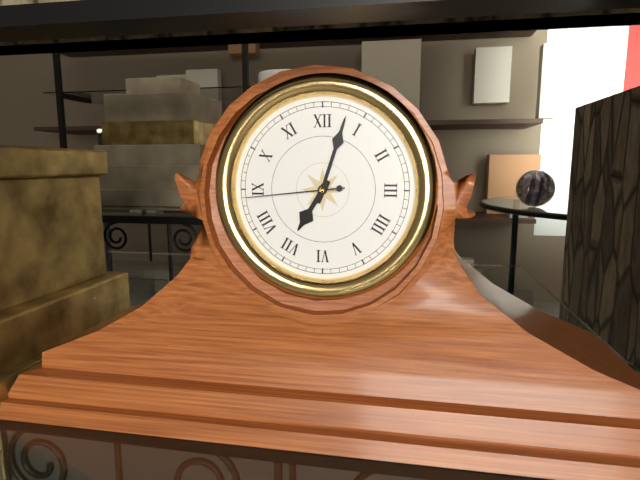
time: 7:03:44
